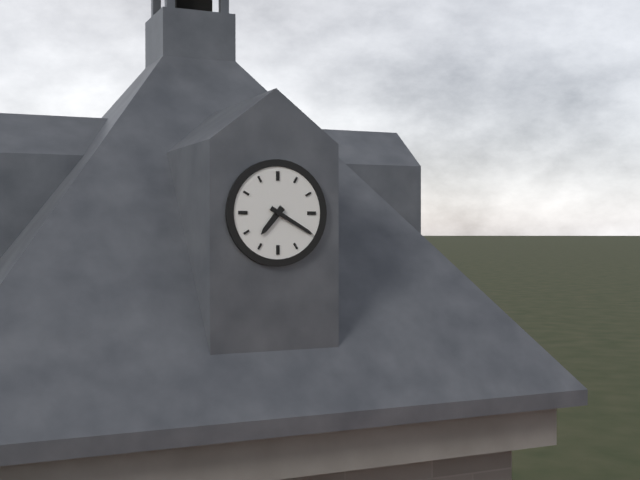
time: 7:20
